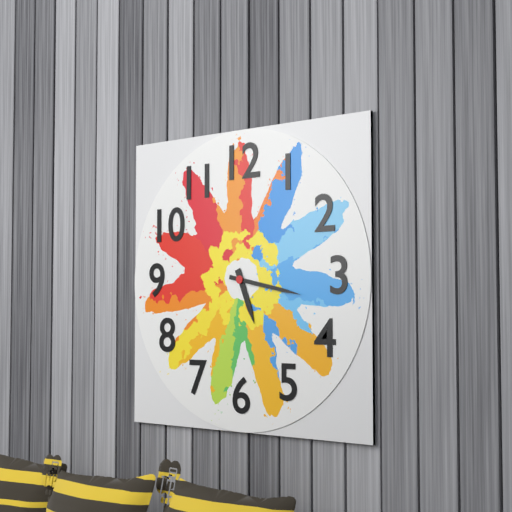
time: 5:17
